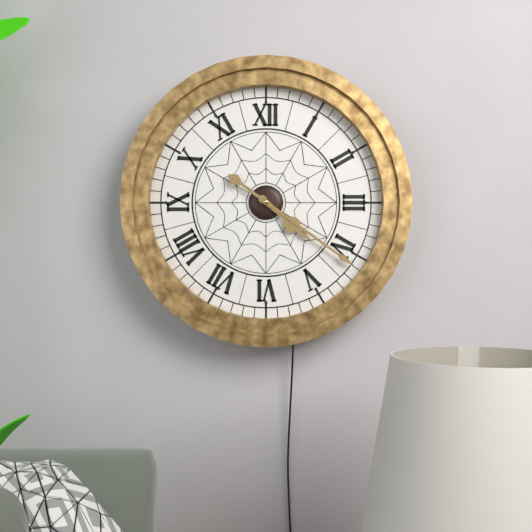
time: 4:21
